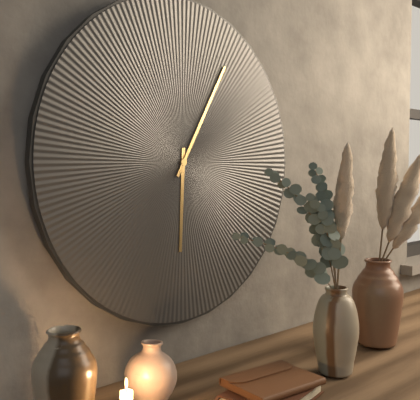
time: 6:05
